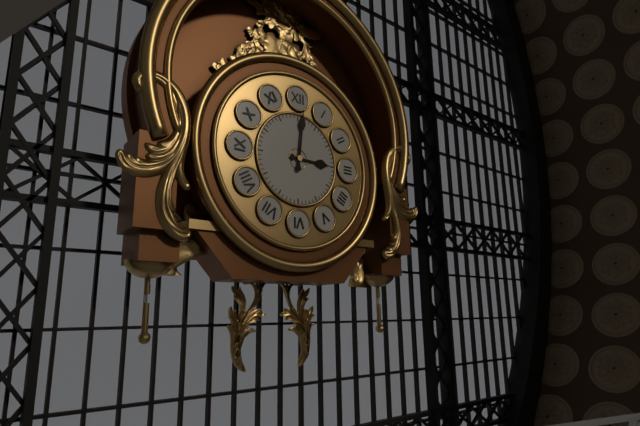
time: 3:01
